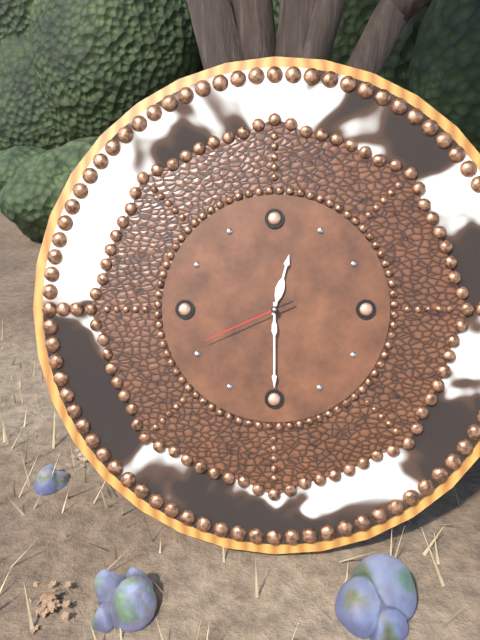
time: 12:30:41
